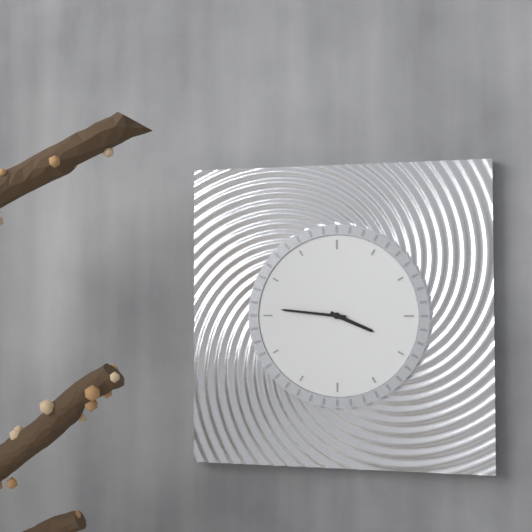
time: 3:46
